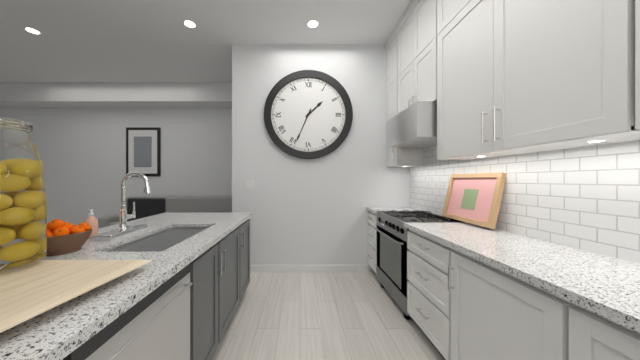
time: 1:34
